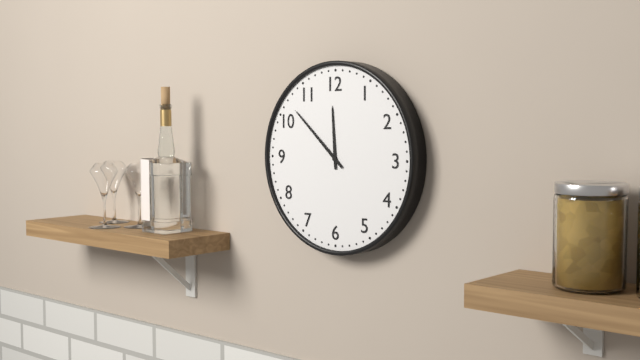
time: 11:52
